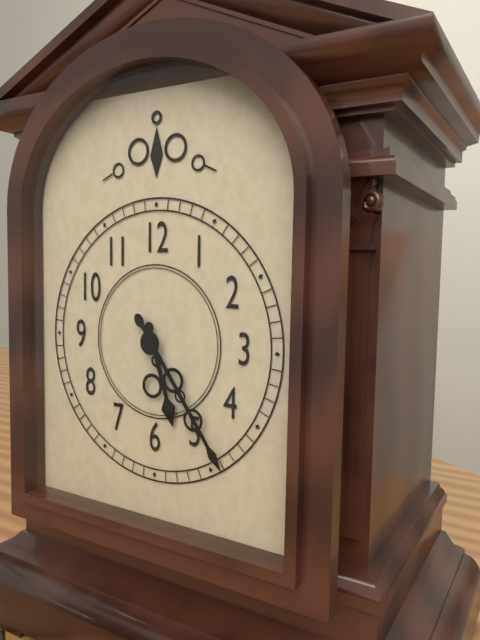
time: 5:24
